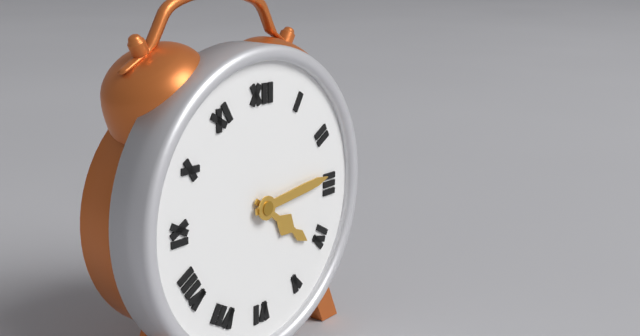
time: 4:14
